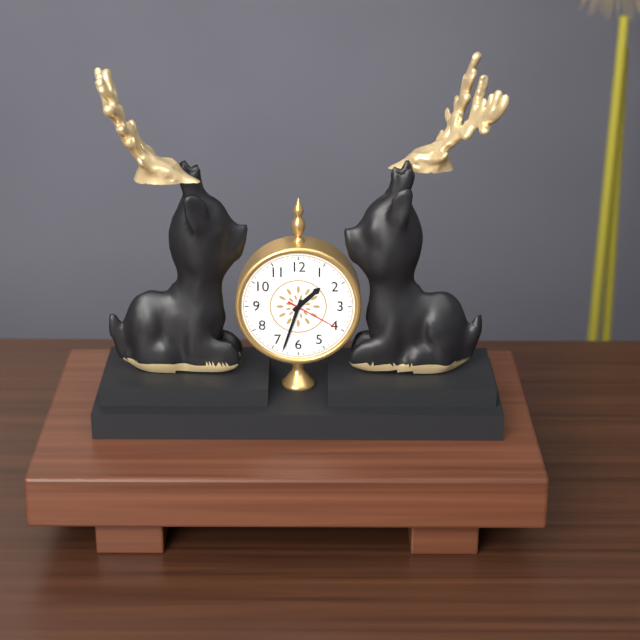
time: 1:33:20
